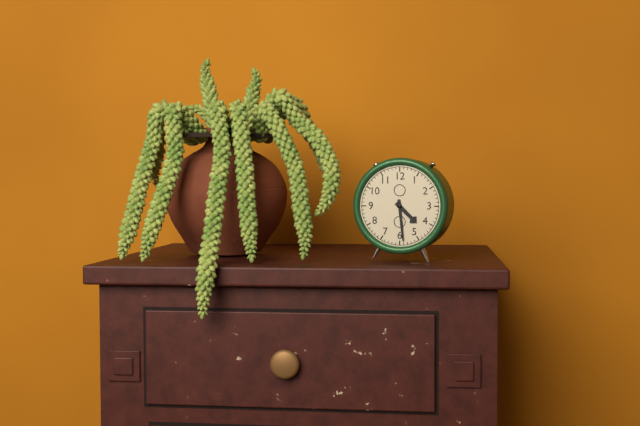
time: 4:29
